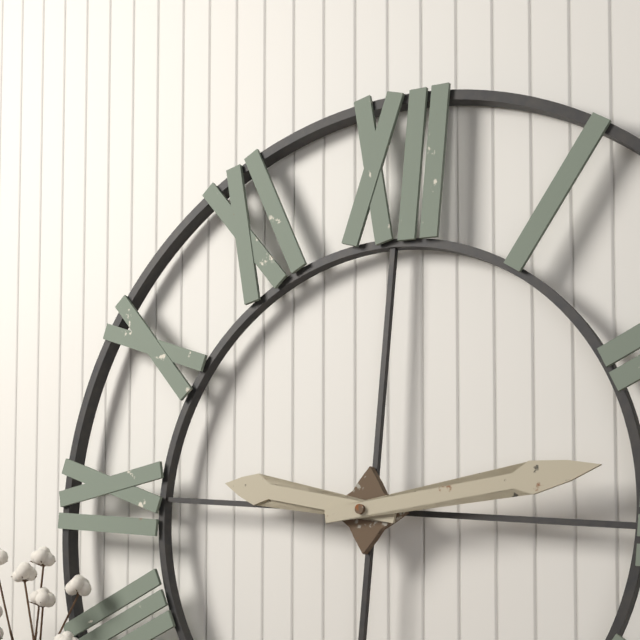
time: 9:13
